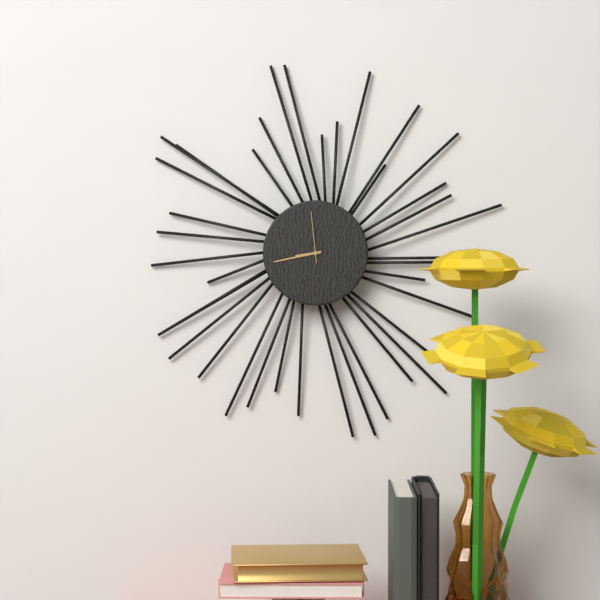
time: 8:43:59
